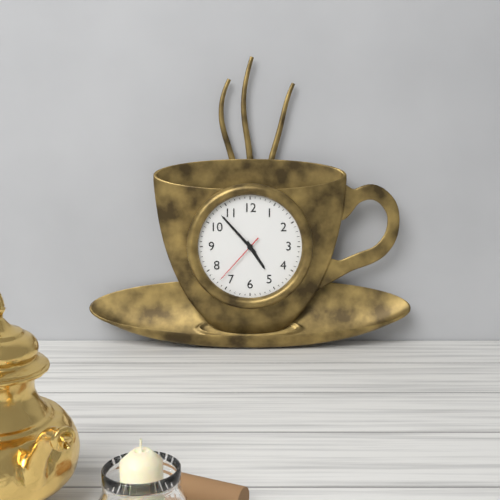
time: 4:53:37
